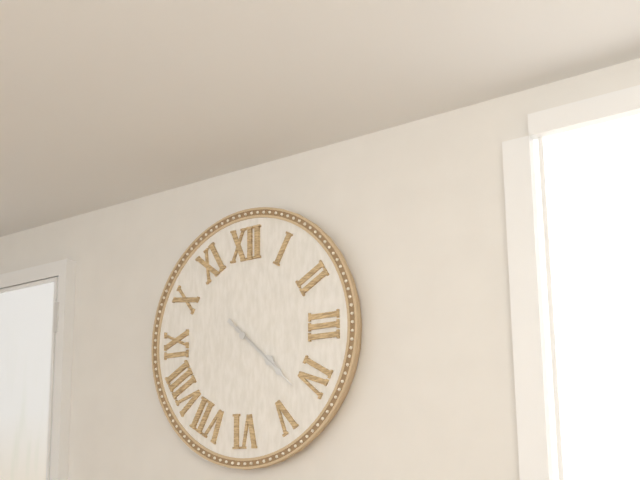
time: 4:22
